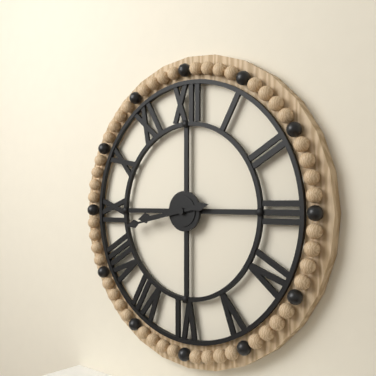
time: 8:43
